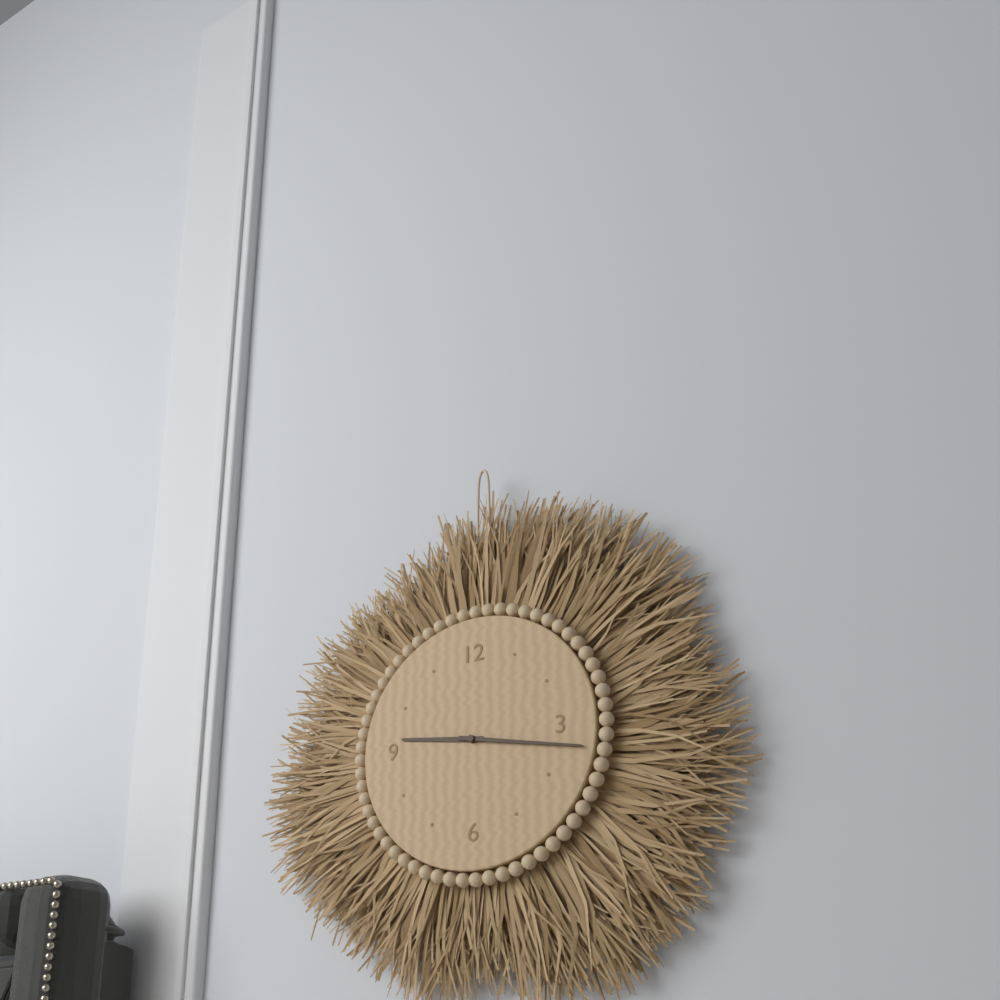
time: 9:17
